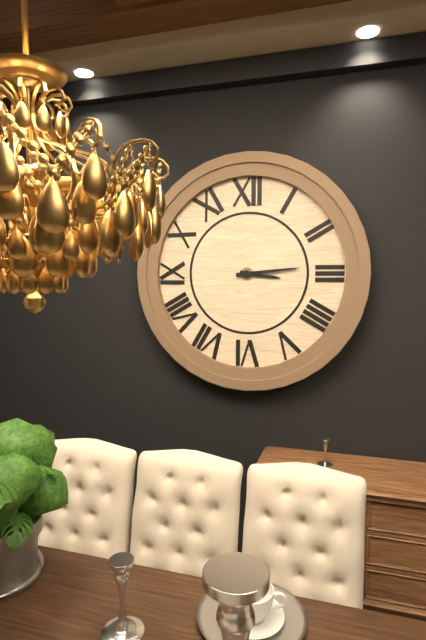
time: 3:14
